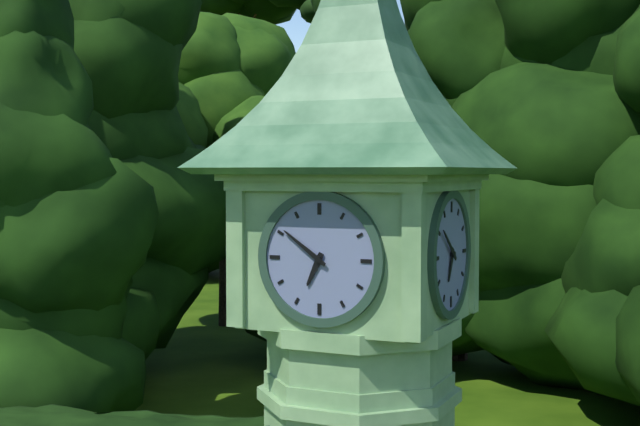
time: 6:51
